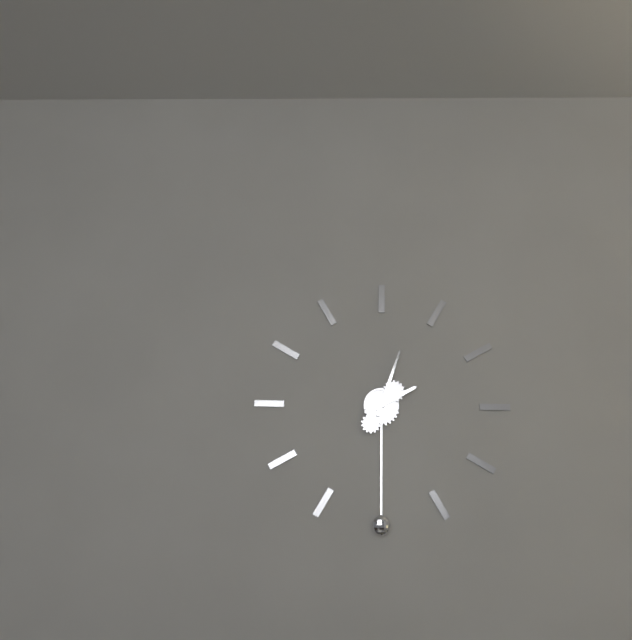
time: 2:03
